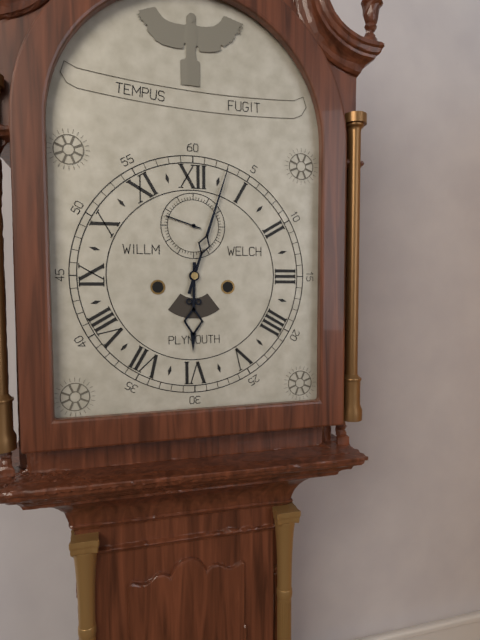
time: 6:03
